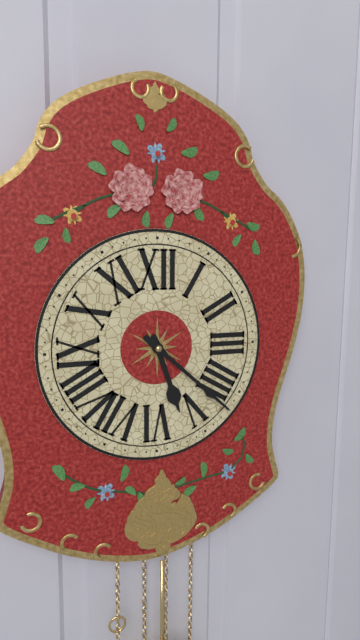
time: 5:22
